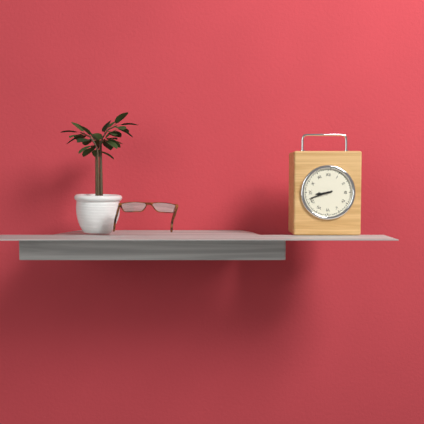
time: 8:42
